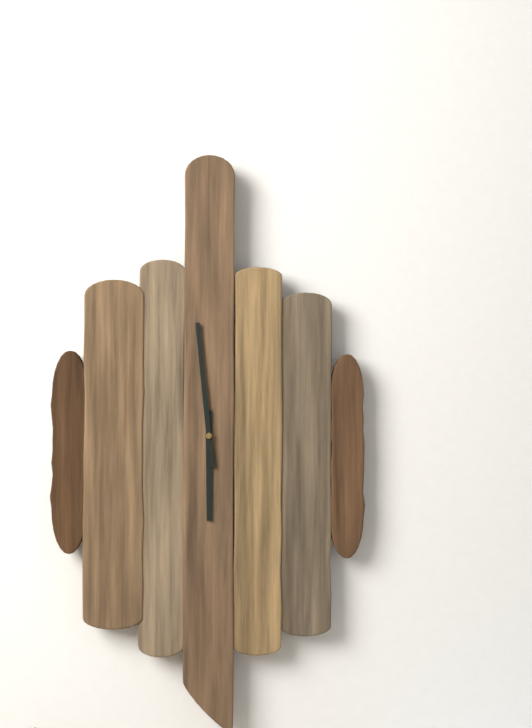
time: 5:59
